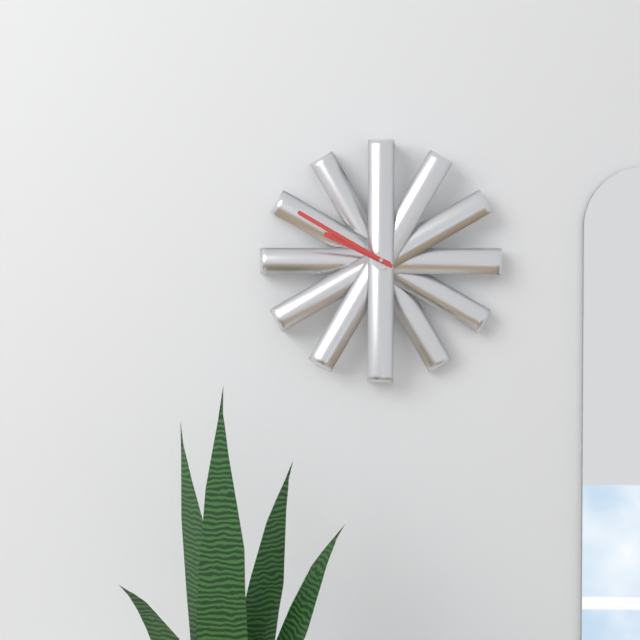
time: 9:50
